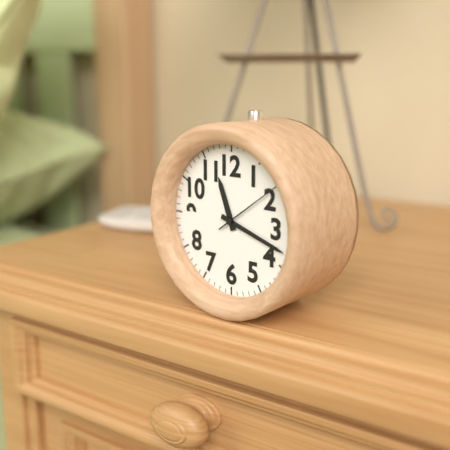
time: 11:18:09
